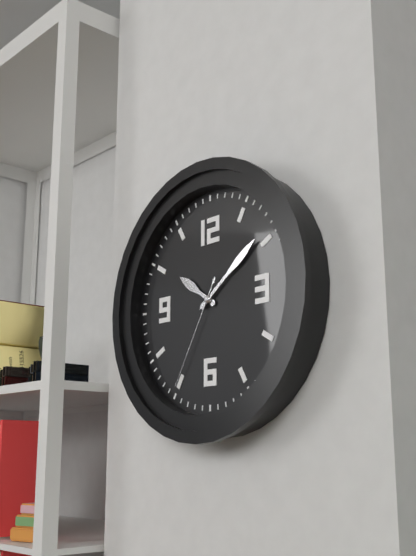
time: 10:09:35
